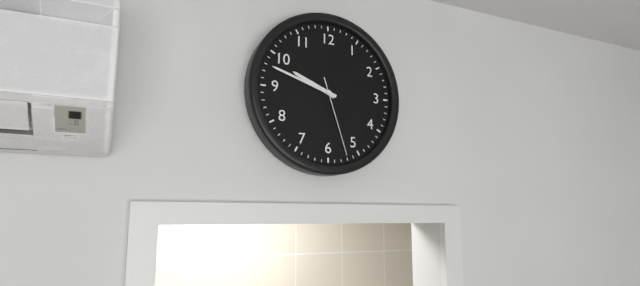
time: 9:48:27
